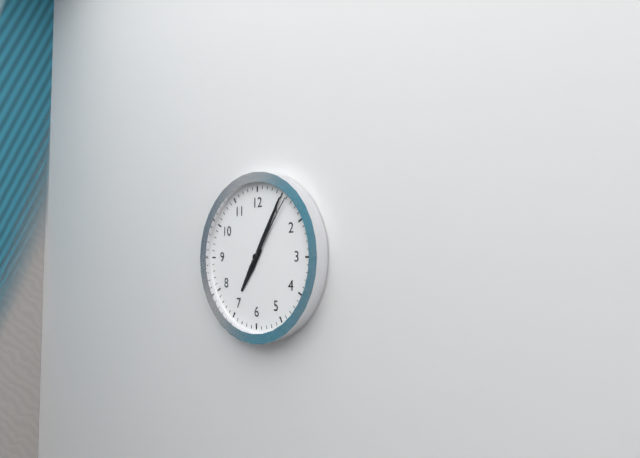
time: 7:05:06
